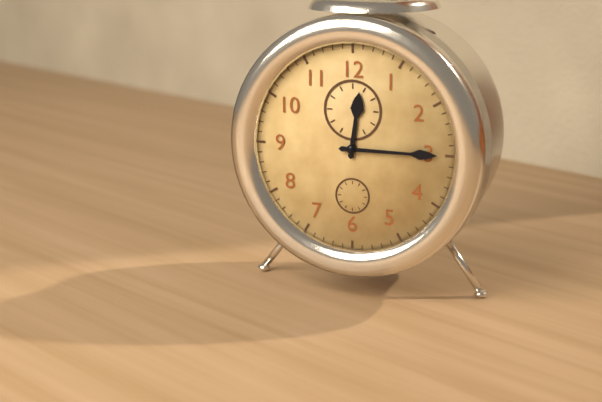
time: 12:15
